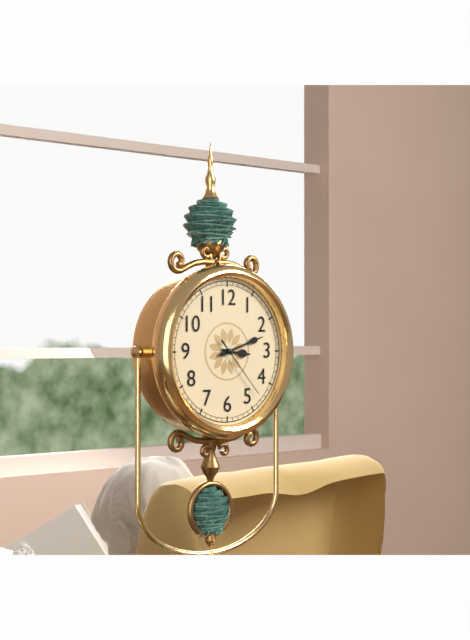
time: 3:12:23
